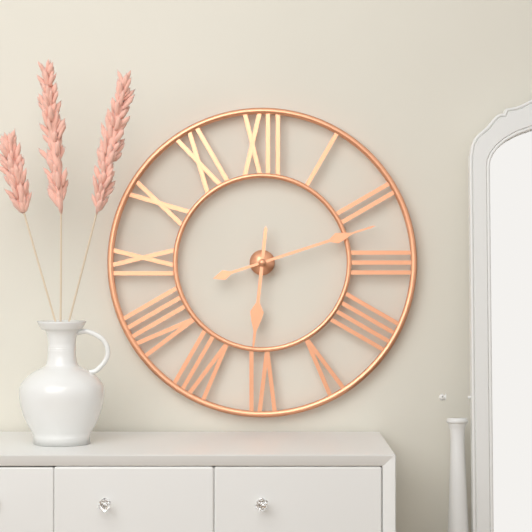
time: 6:12
